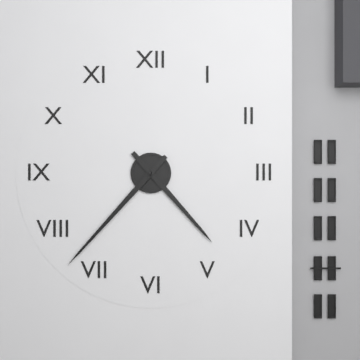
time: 4:37
